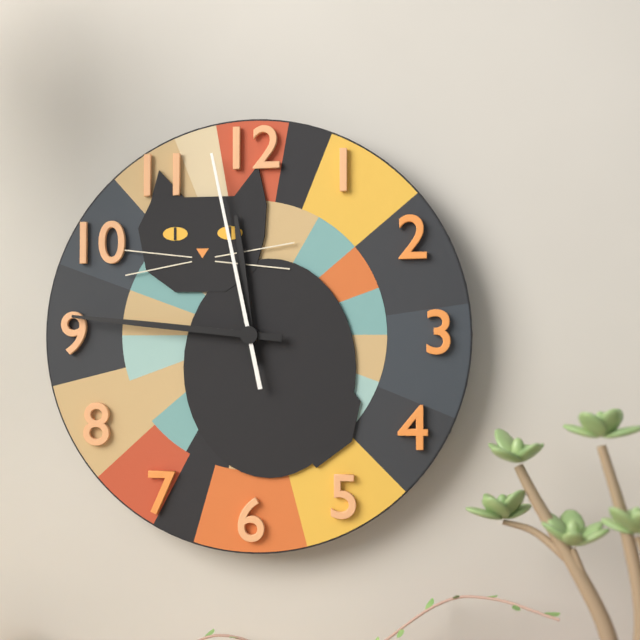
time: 11:46:58
